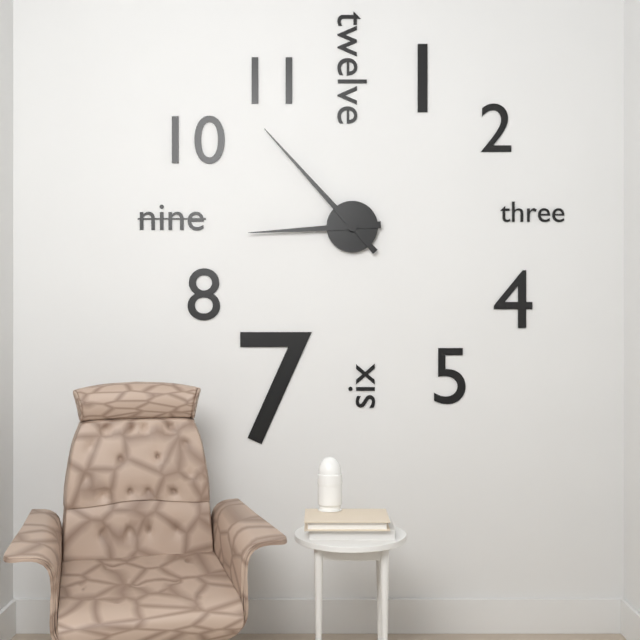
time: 8:53
